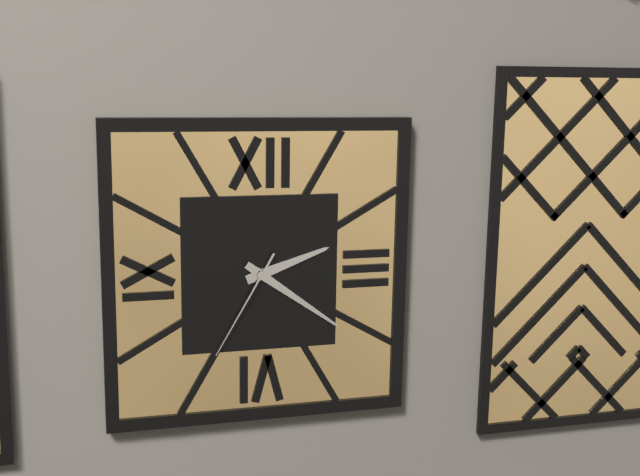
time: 2:21:35
